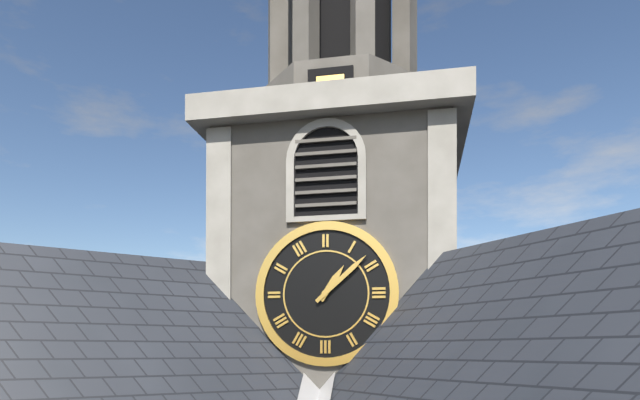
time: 1:08
